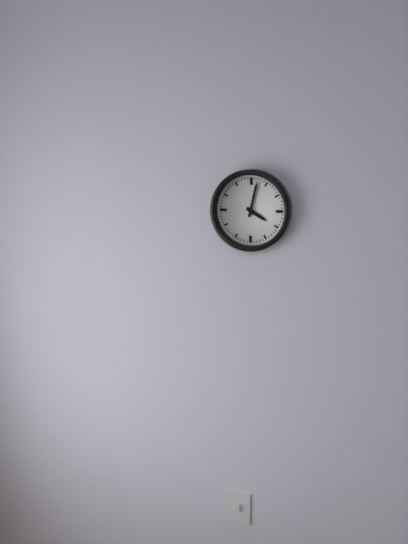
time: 4:02
